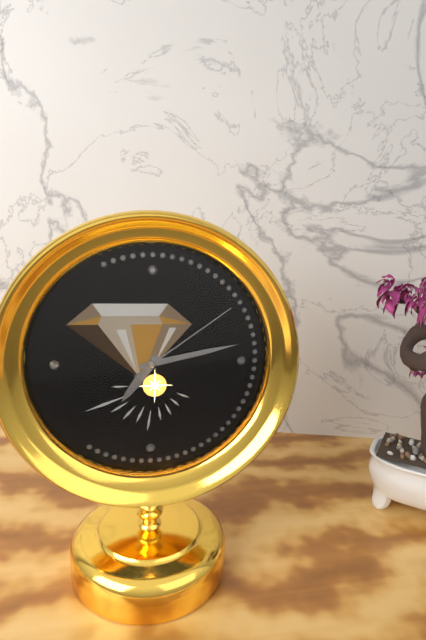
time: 7:13:09
